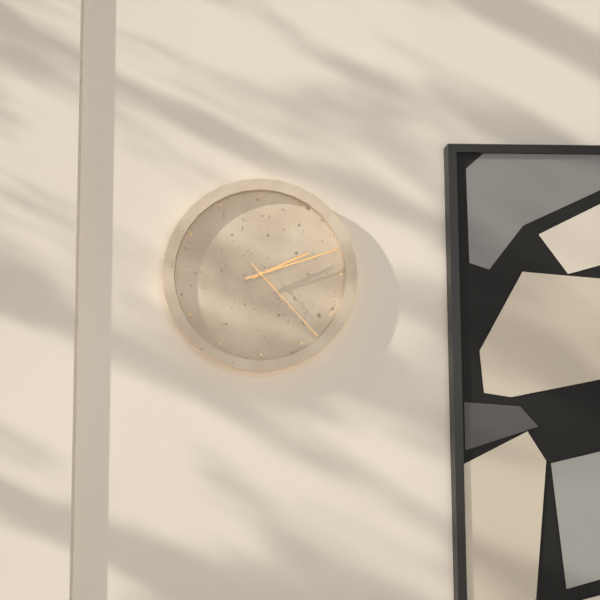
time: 2:12:23
